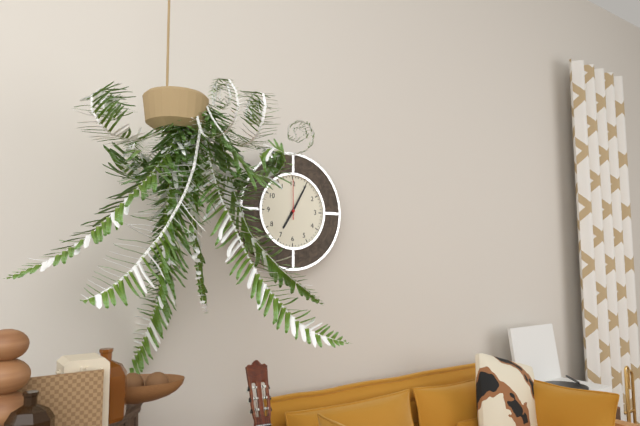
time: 7:05
